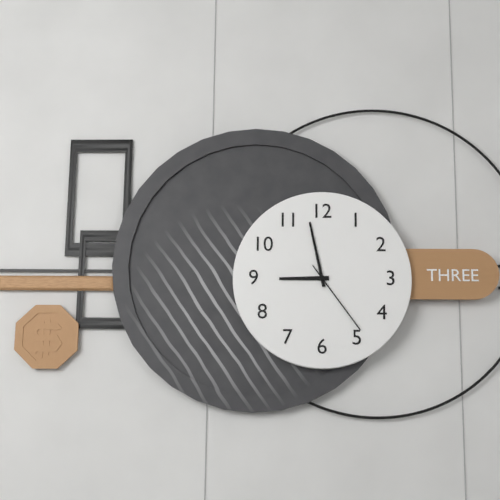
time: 8:58:24
